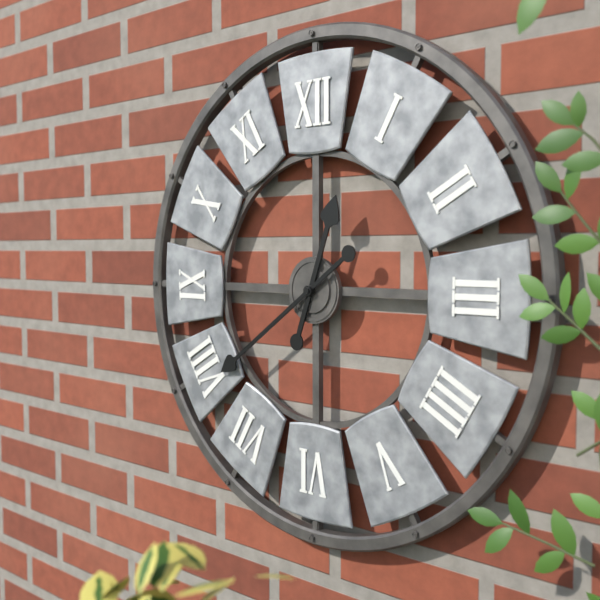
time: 12:39
